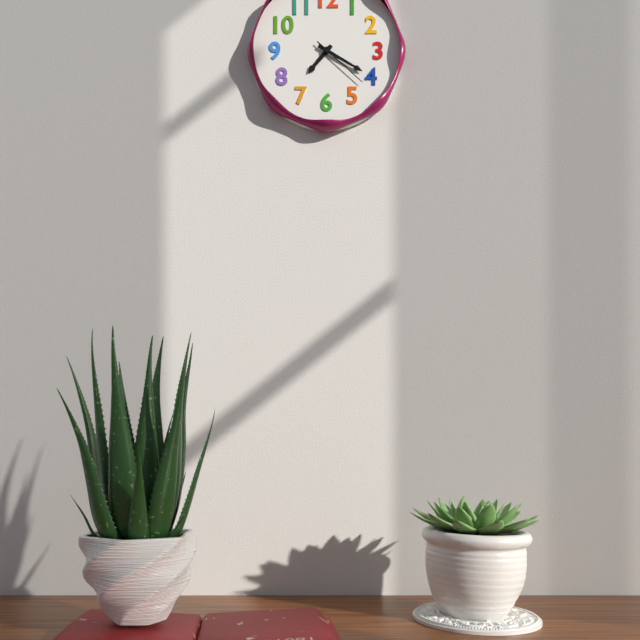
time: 7:20:22
